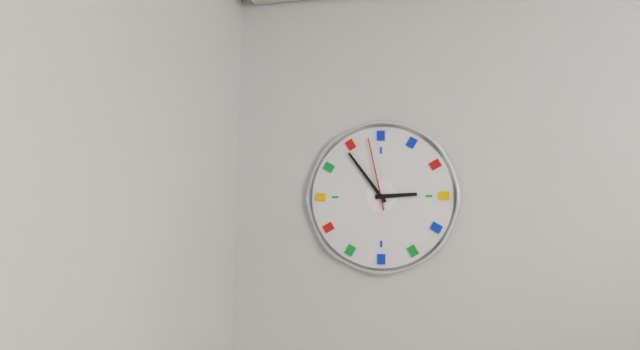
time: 2:54:58
